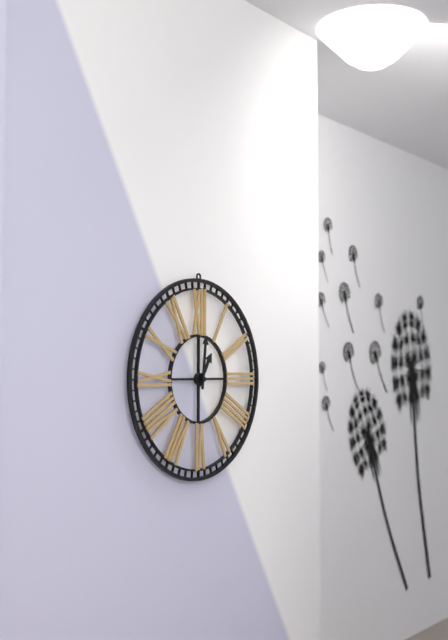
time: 1:01
